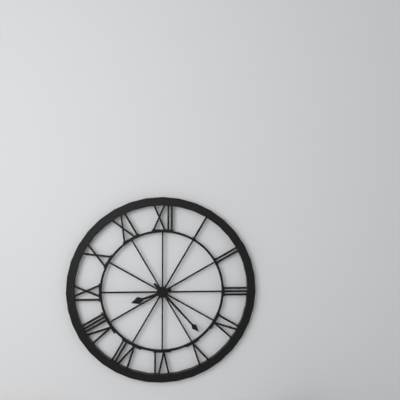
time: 8:23
